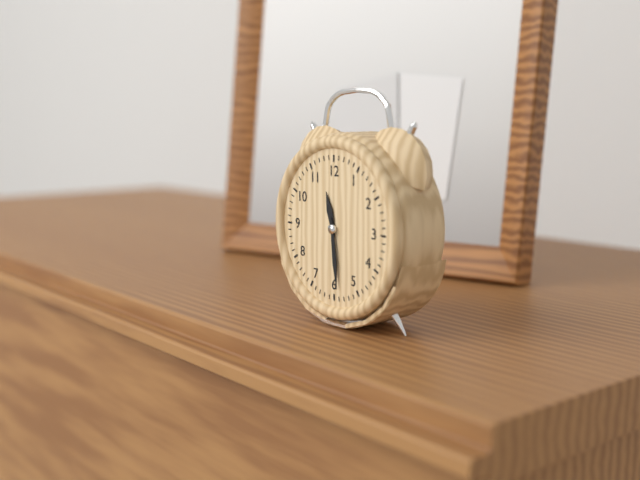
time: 11:29
